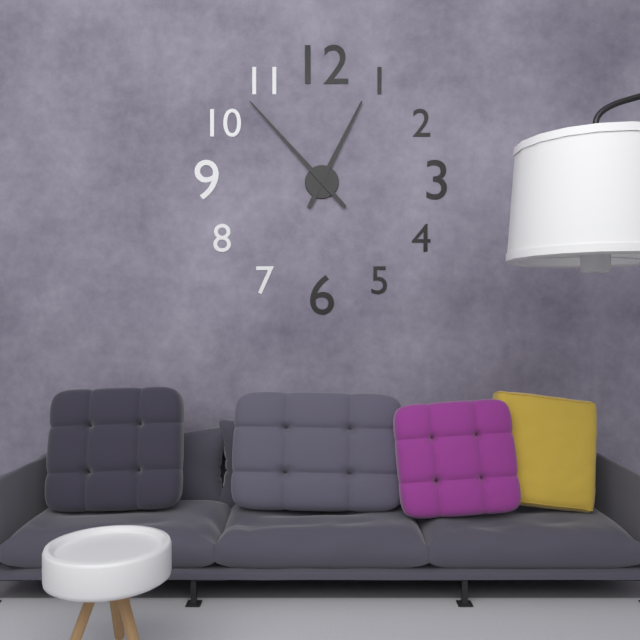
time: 12:53
